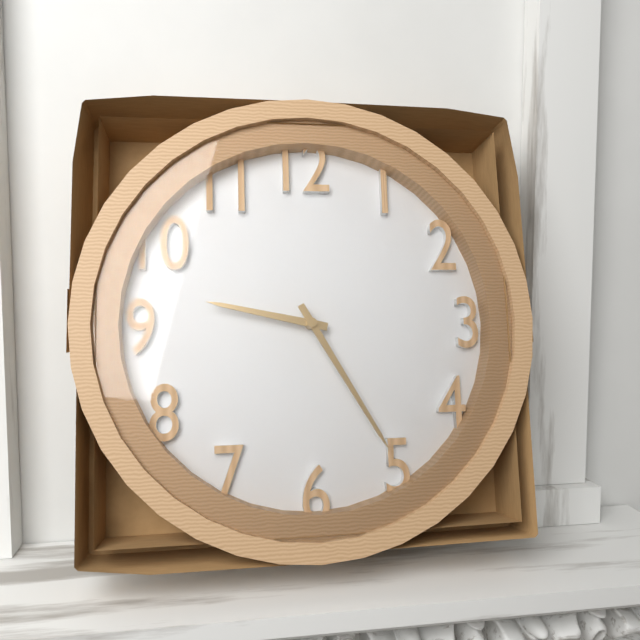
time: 9:25
